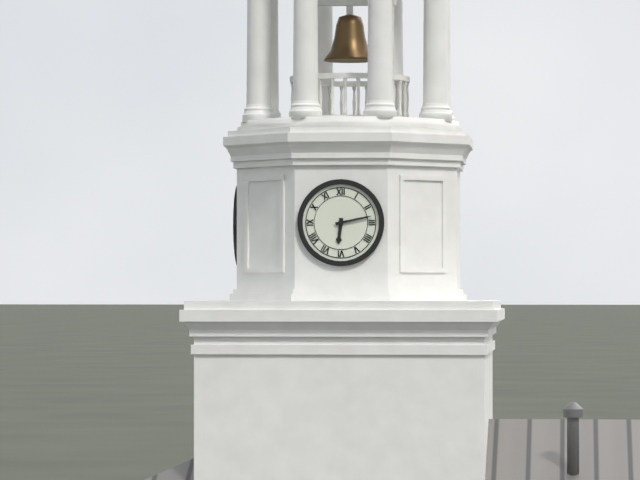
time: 6:13
